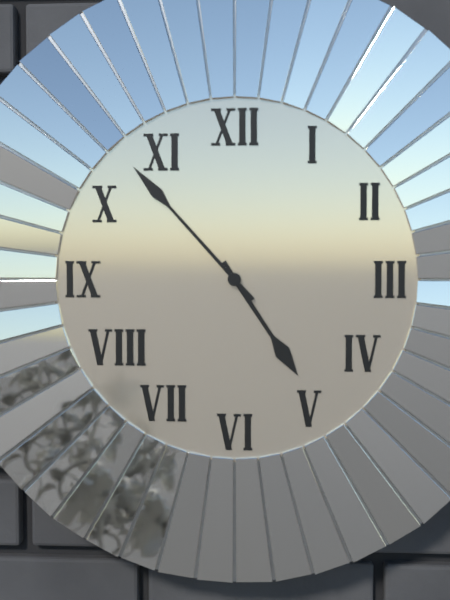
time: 4:53
